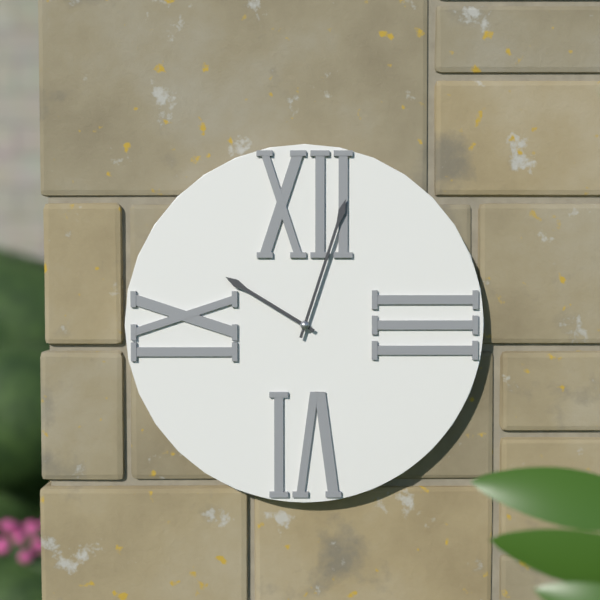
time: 10:03
